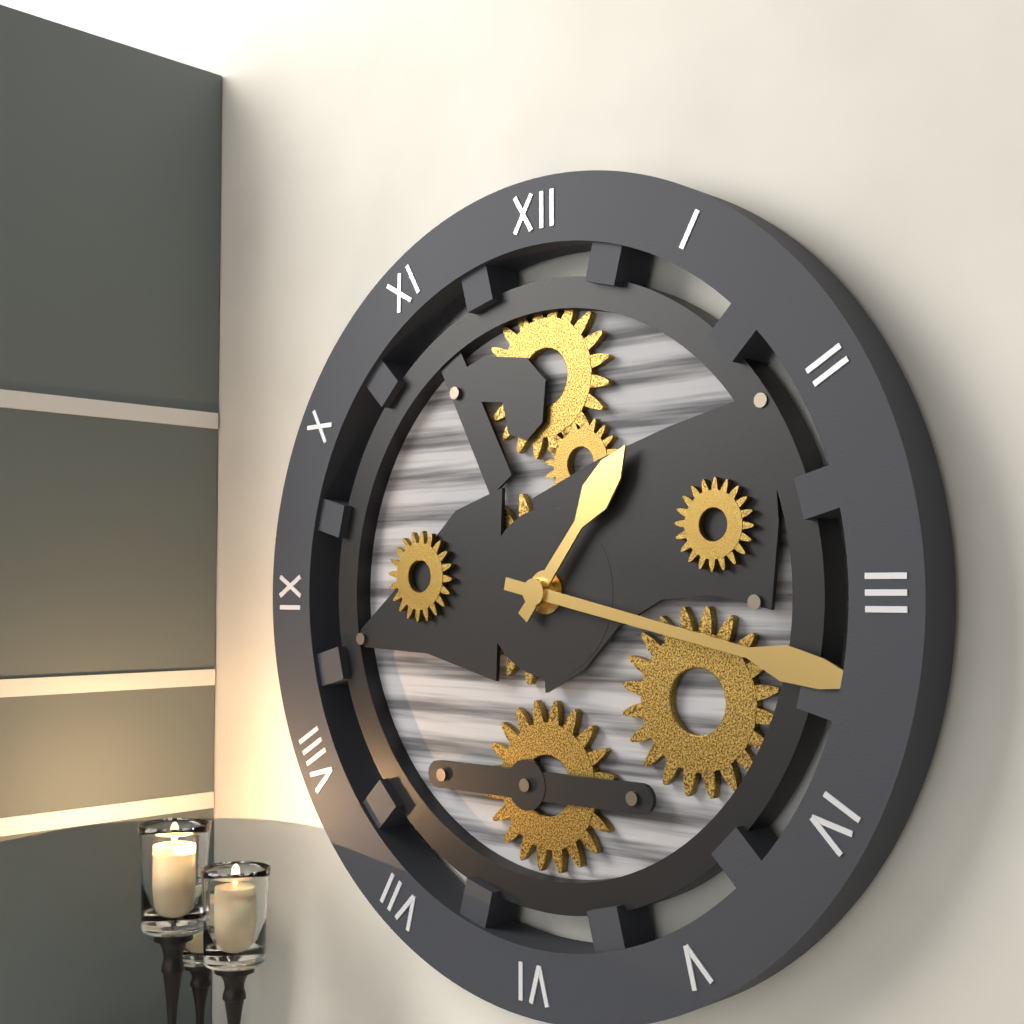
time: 1:17
